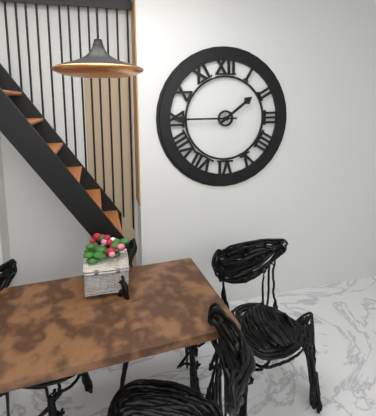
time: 1:45
